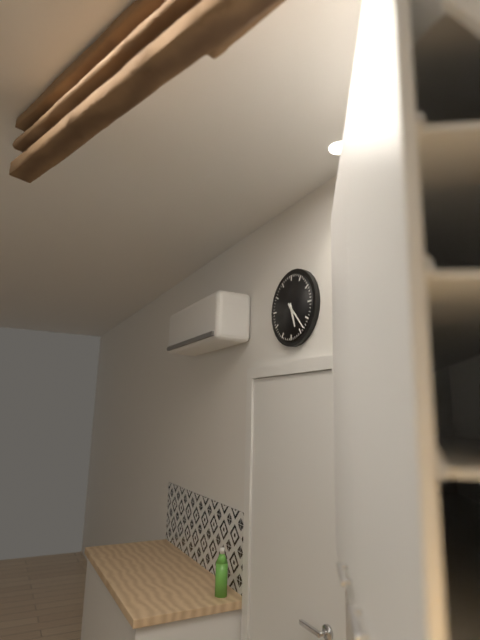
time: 5:23
